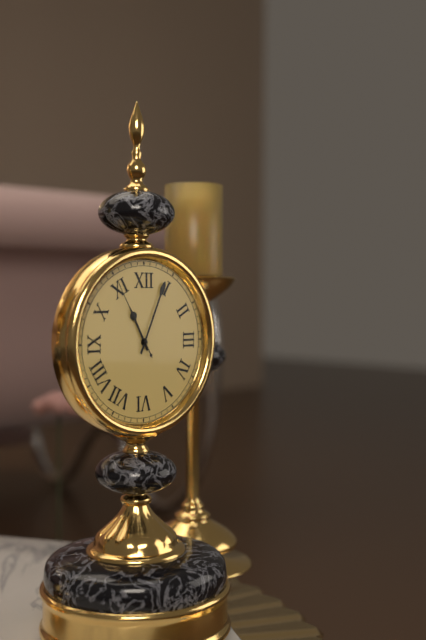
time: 11:04:55
